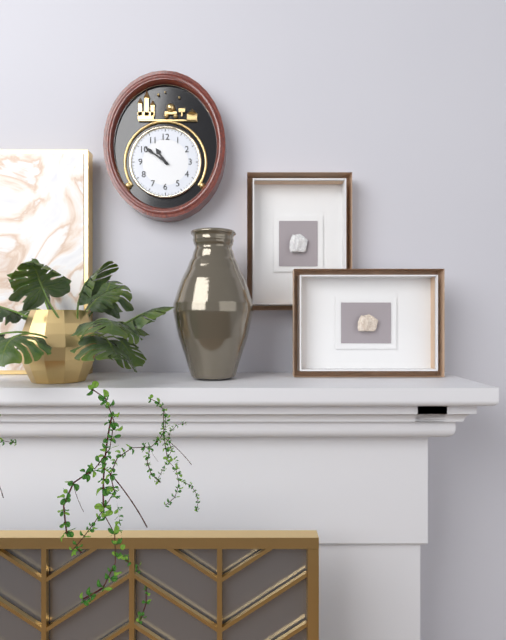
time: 10:51
